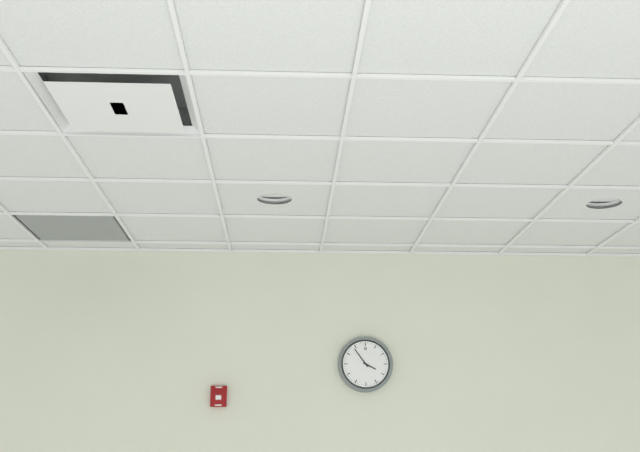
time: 3:54
